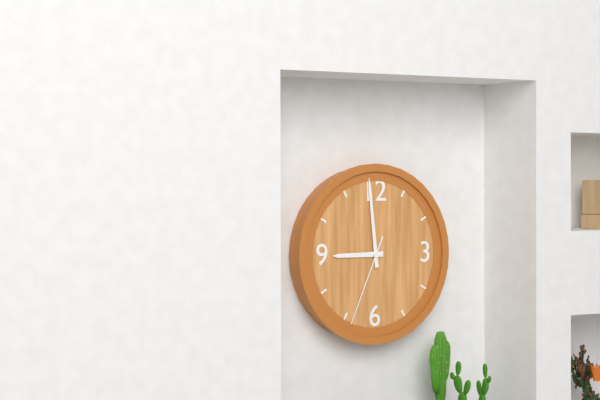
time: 8:59:34
